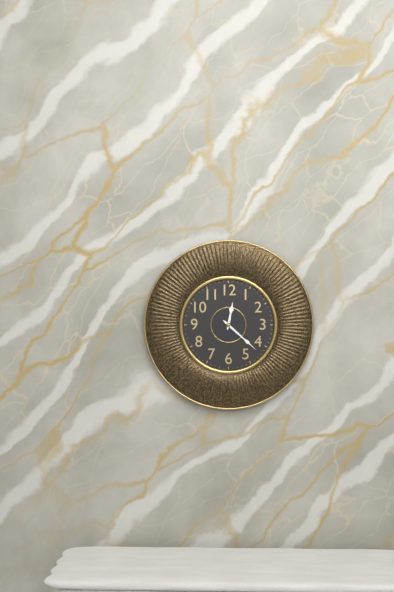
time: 12:22
